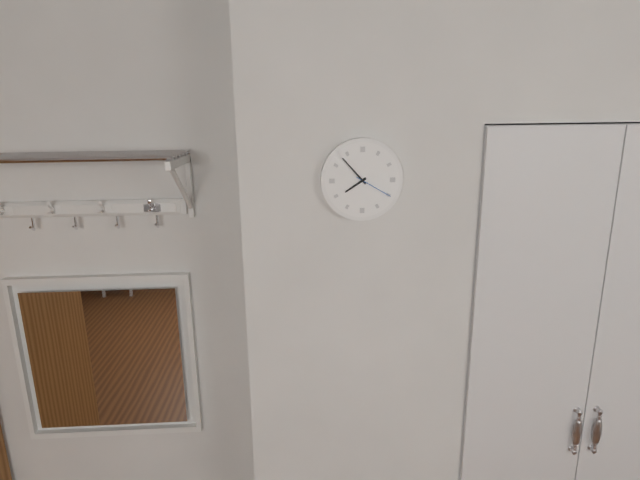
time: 7:53
